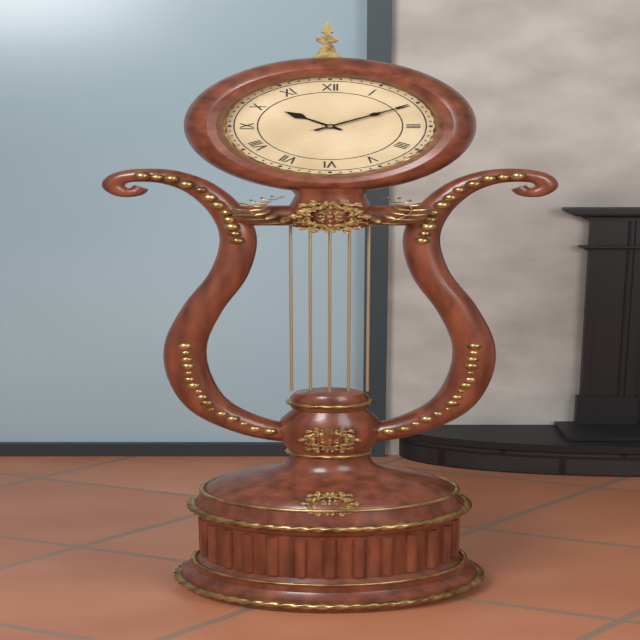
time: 10:10
